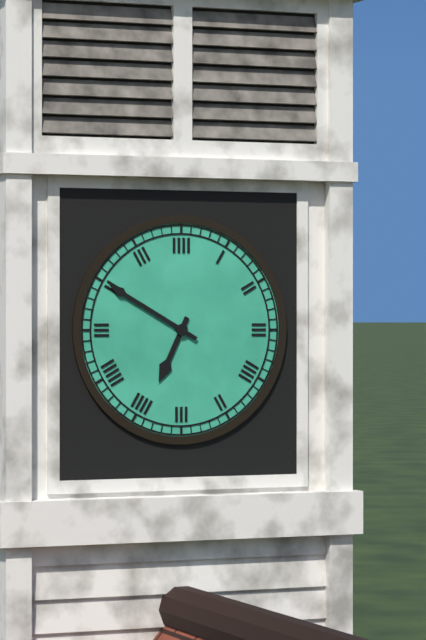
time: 6:50
